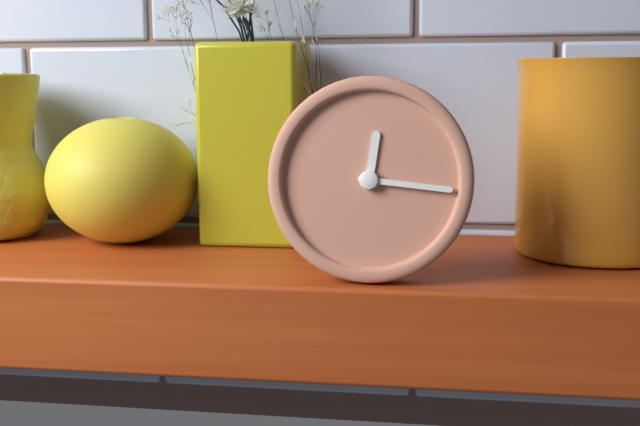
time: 12:16
